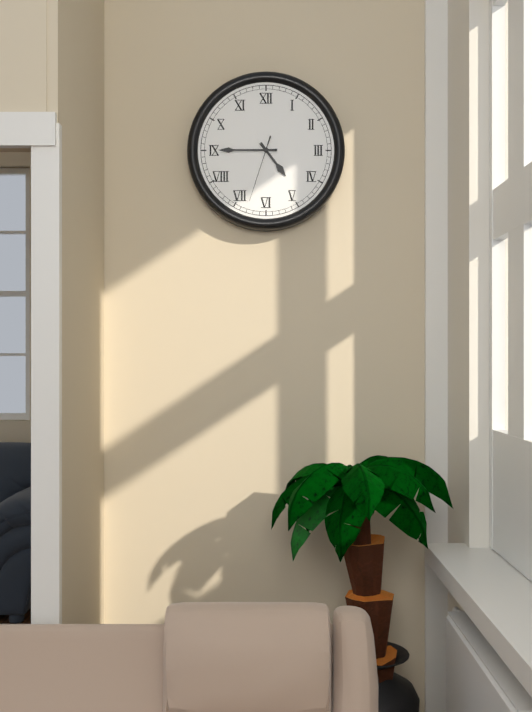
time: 4:45:33
